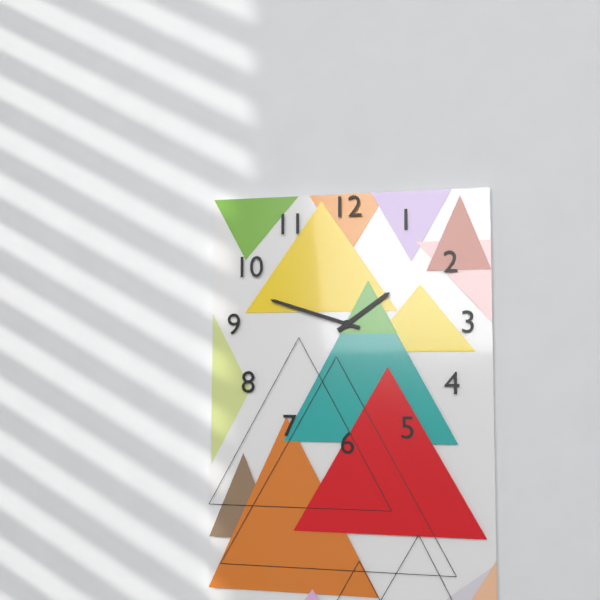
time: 1:48
